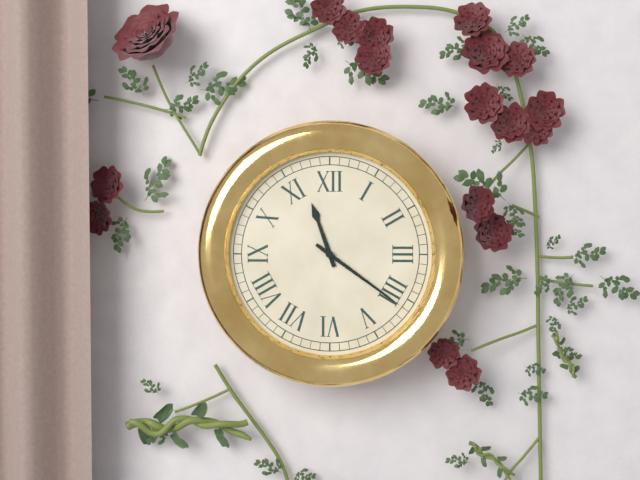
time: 11:21
